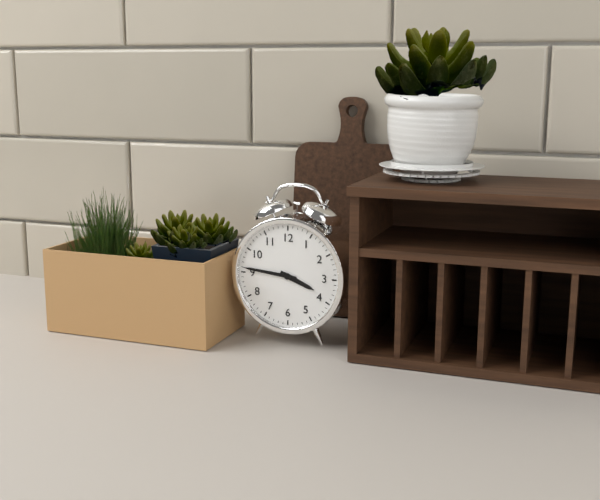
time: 3:46
